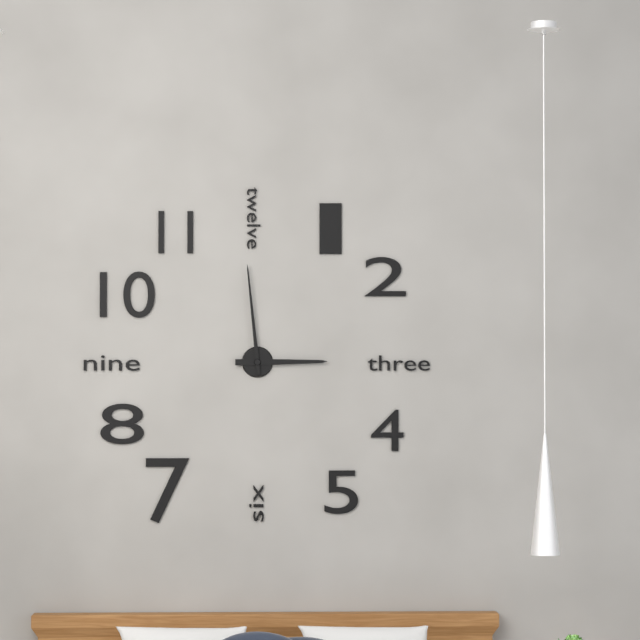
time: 2:59
